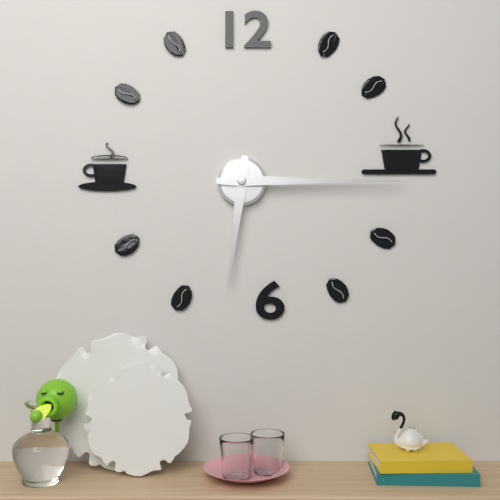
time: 6:15
